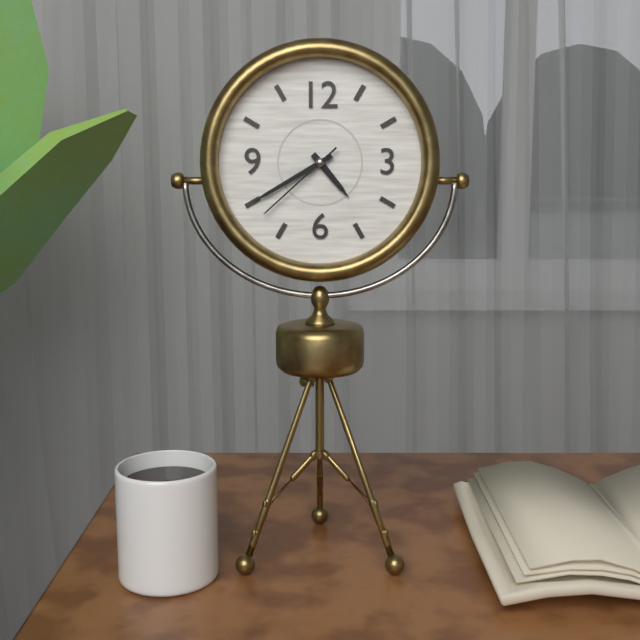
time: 4:40:38
